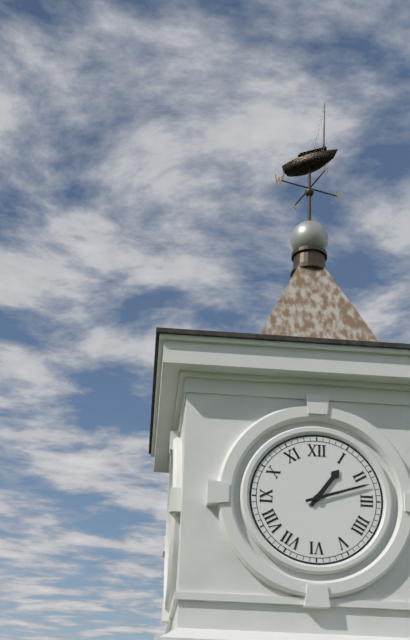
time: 1:12
